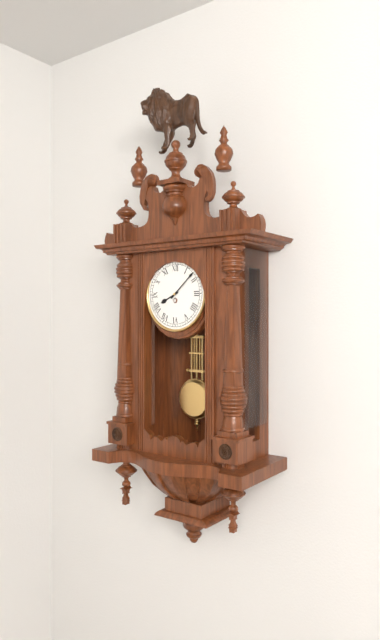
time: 8:08
